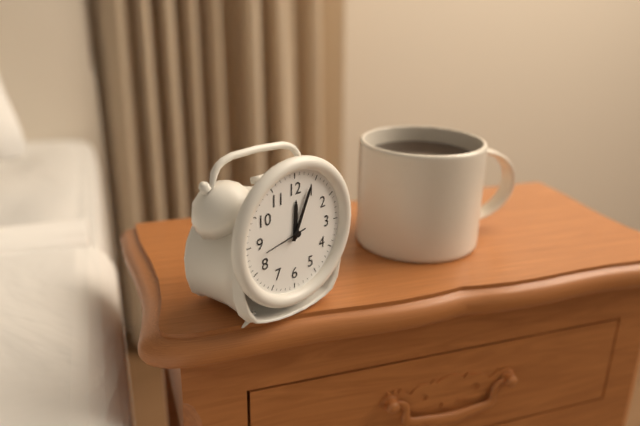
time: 12:04
